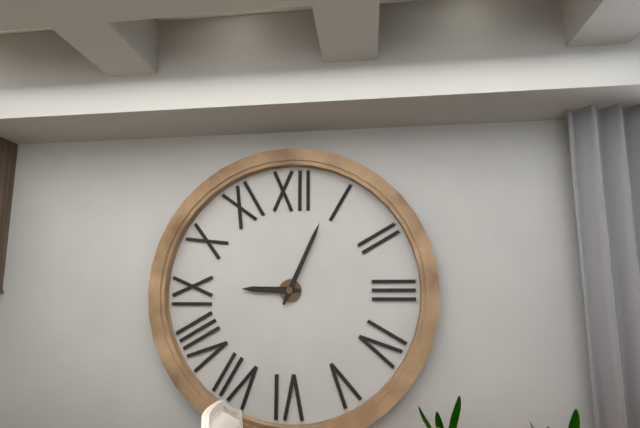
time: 9:04
